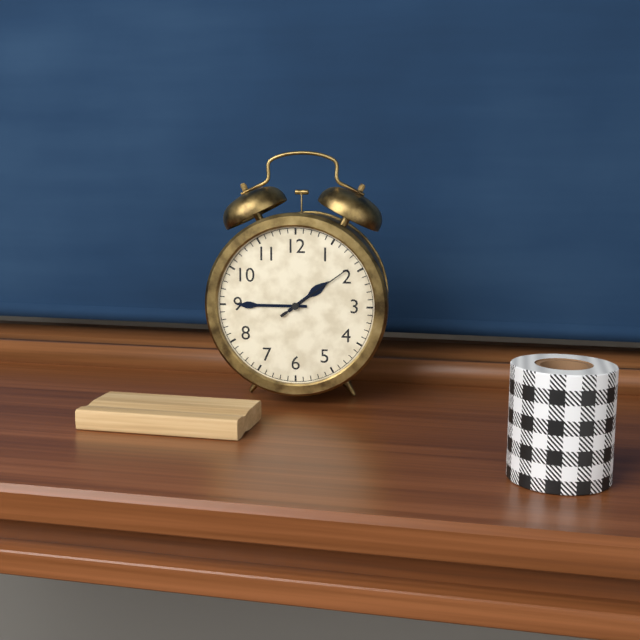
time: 1:45:09
